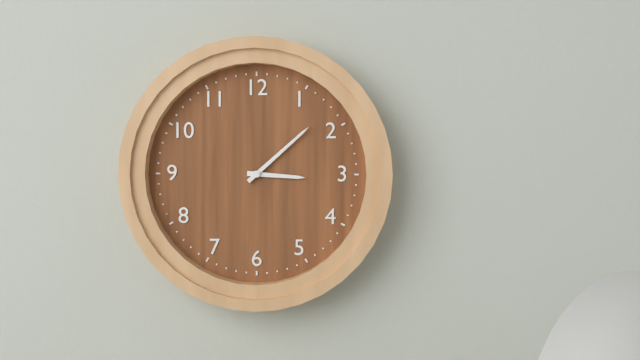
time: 3:08
